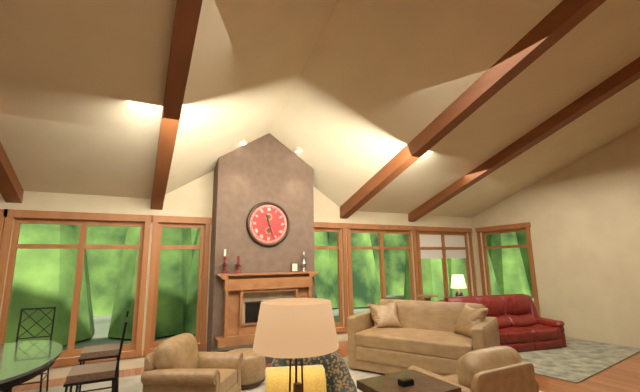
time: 11:27
